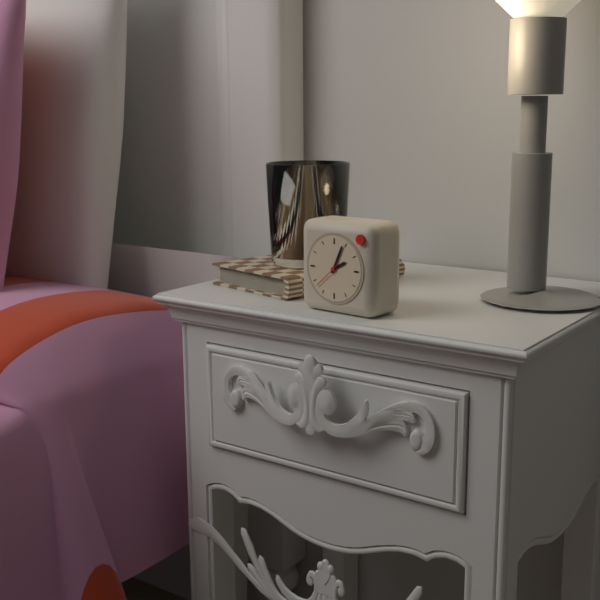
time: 2:04
